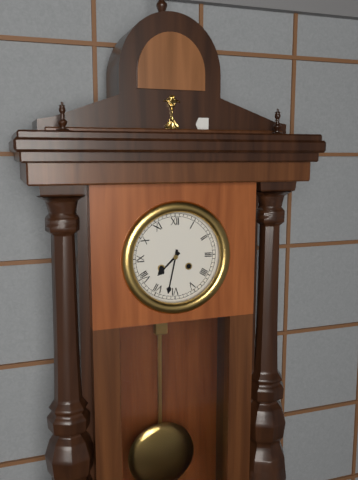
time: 7:32
